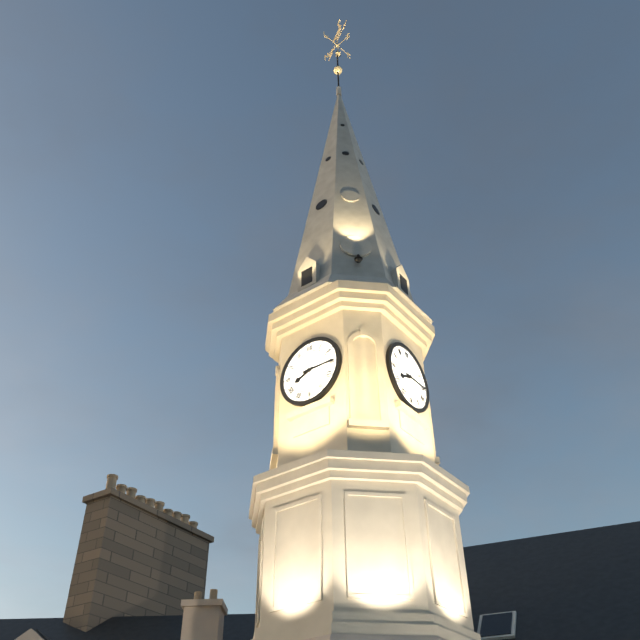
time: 8:15
